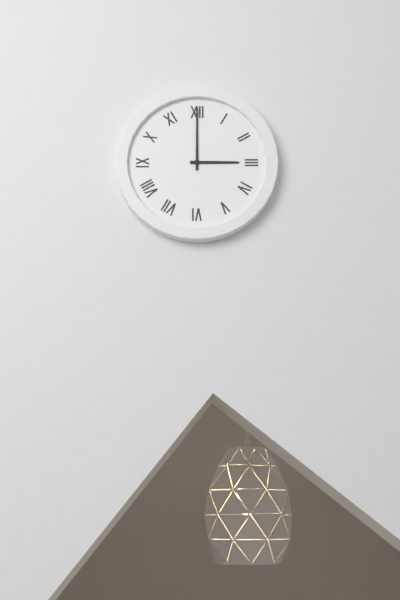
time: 3:00
